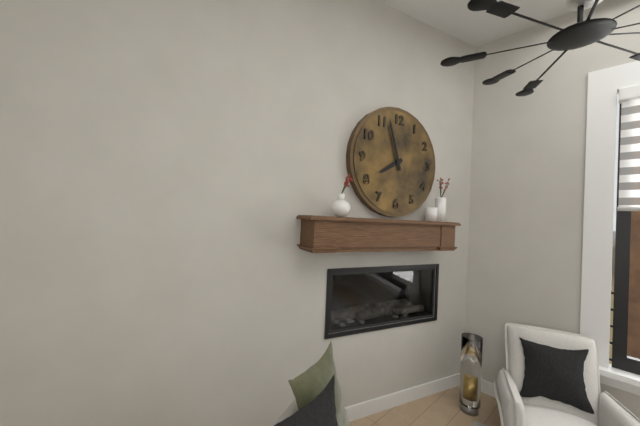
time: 7:57
